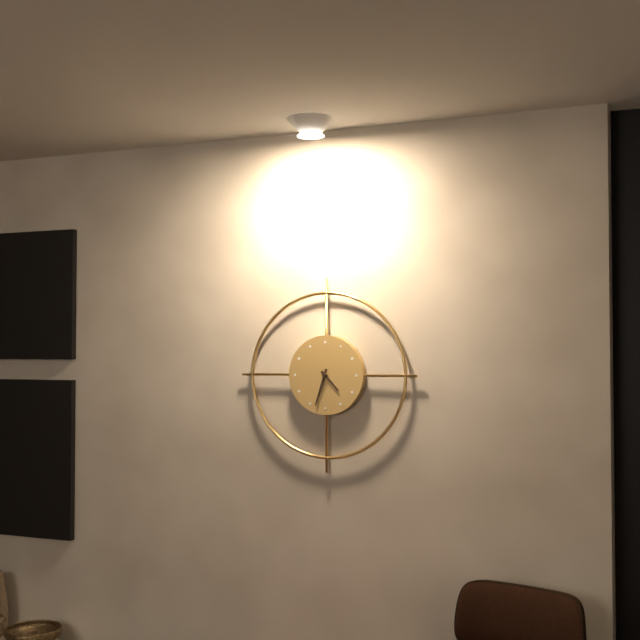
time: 4:33
